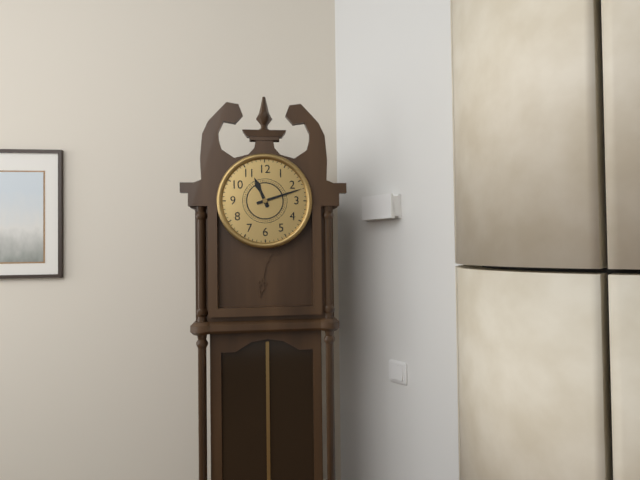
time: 11:12
